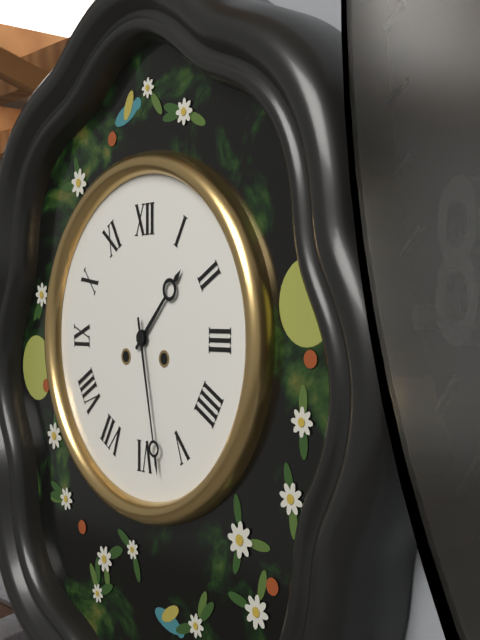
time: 1:28
